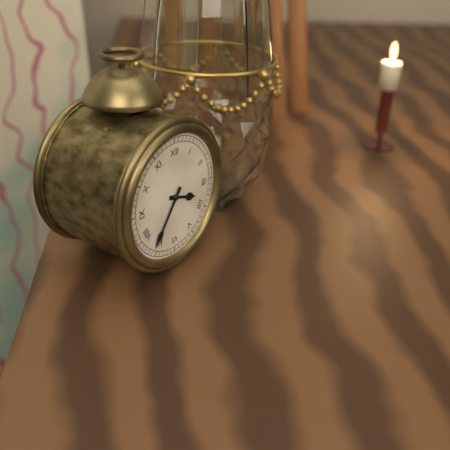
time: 3:36
